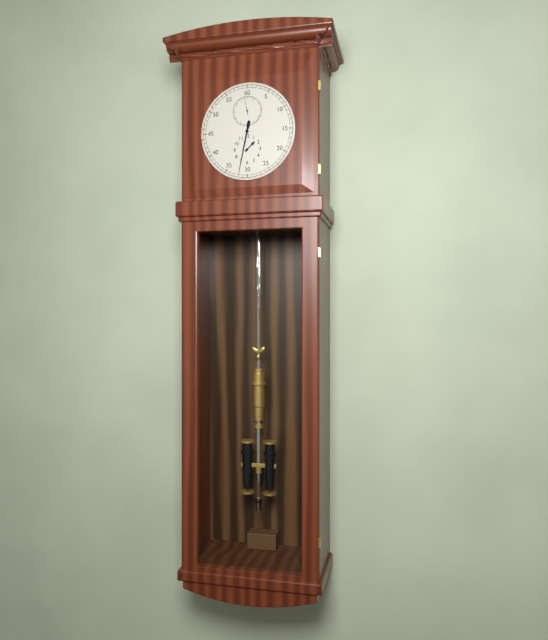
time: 1:32
